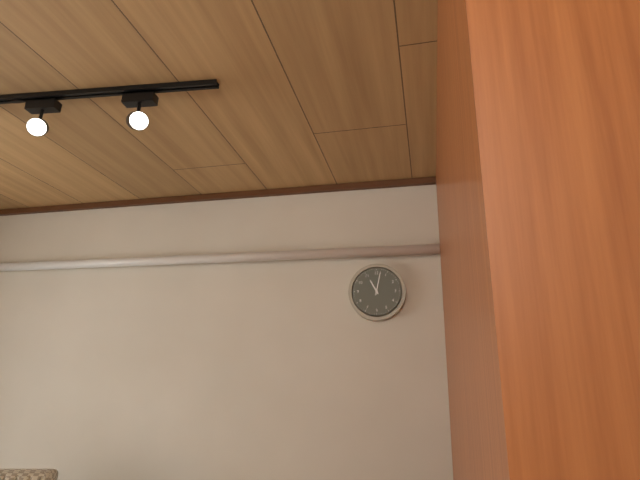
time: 11:02
